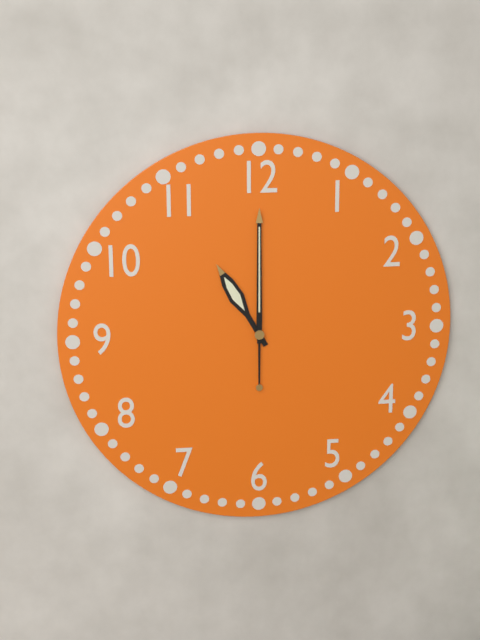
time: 11:00
